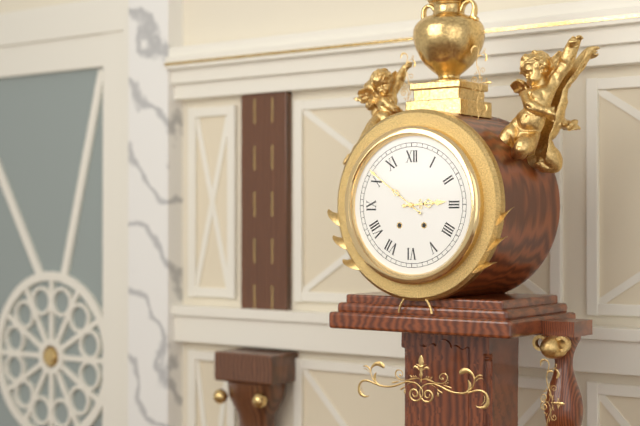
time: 2:51
